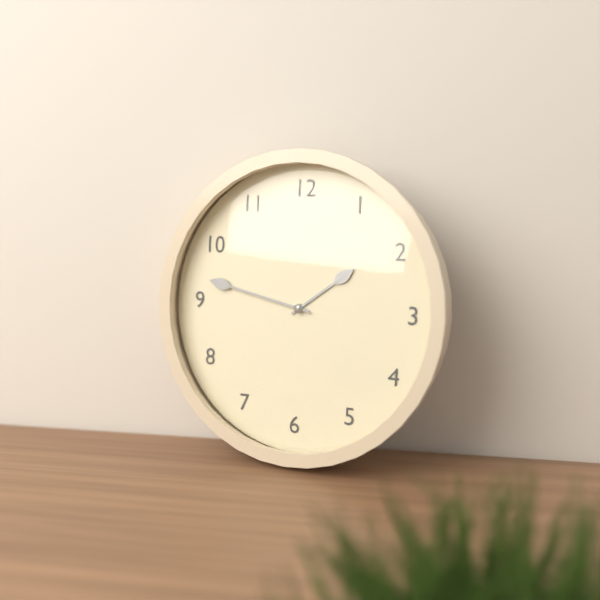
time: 1:47
